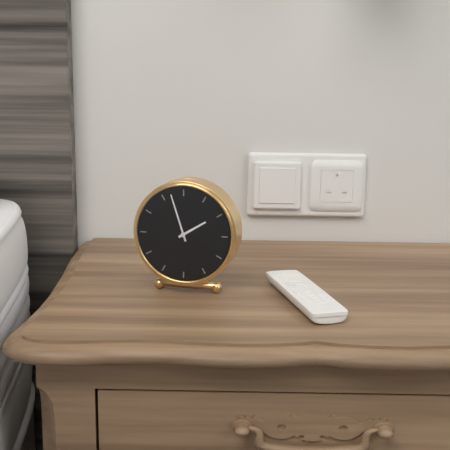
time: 1:57
